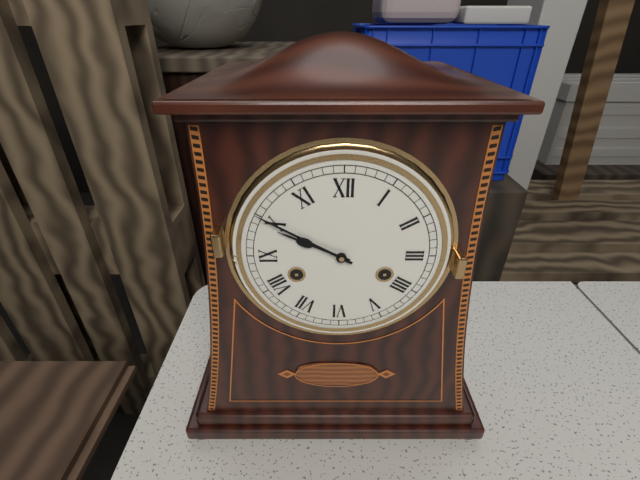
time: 9:50
